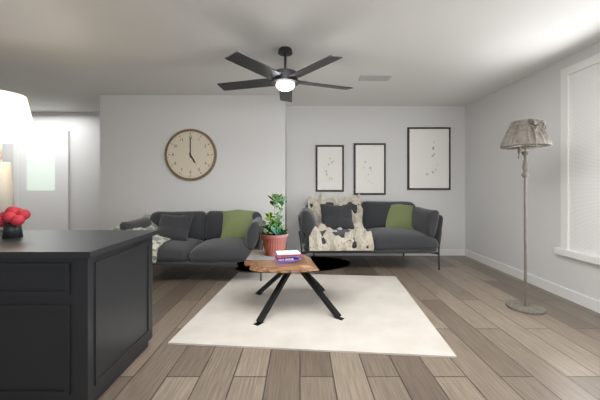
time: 5:00
